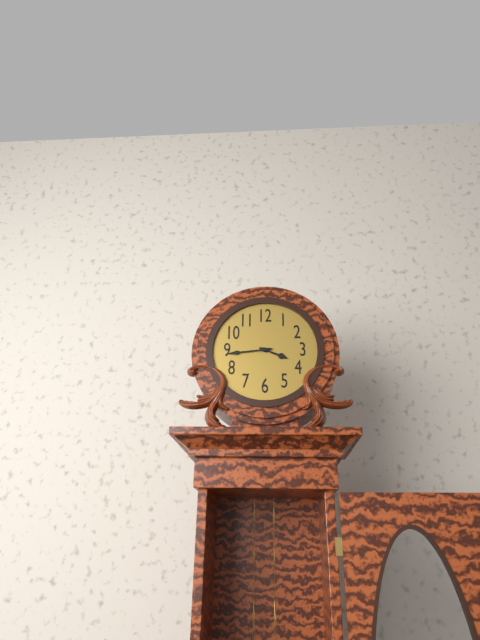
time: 3:44
